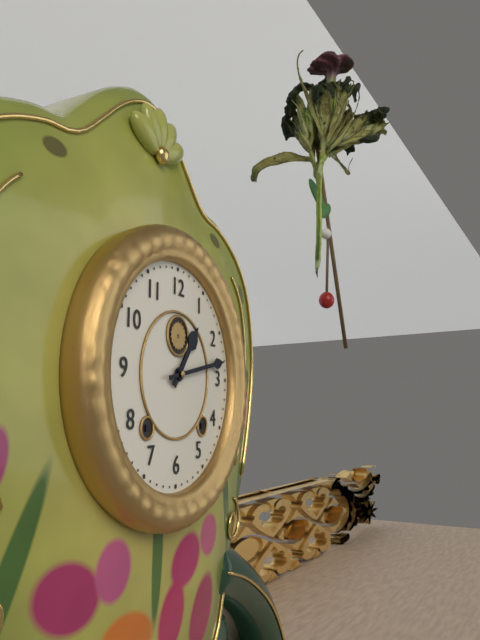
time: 1:13
